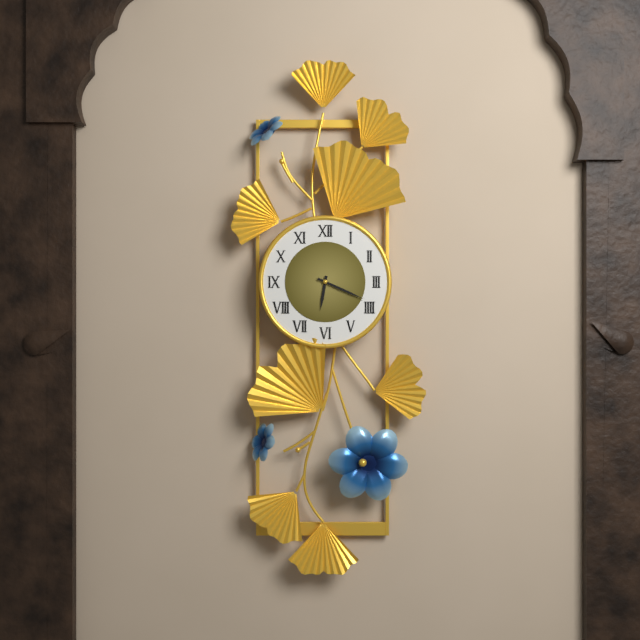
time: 6:19
